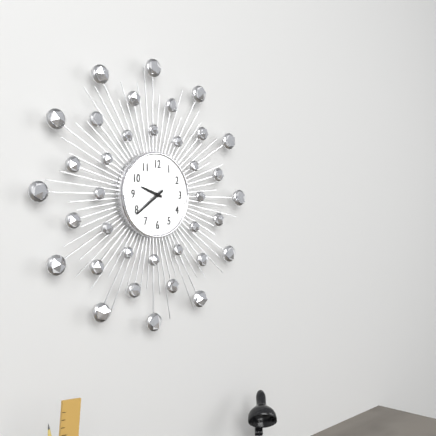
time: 9:39
